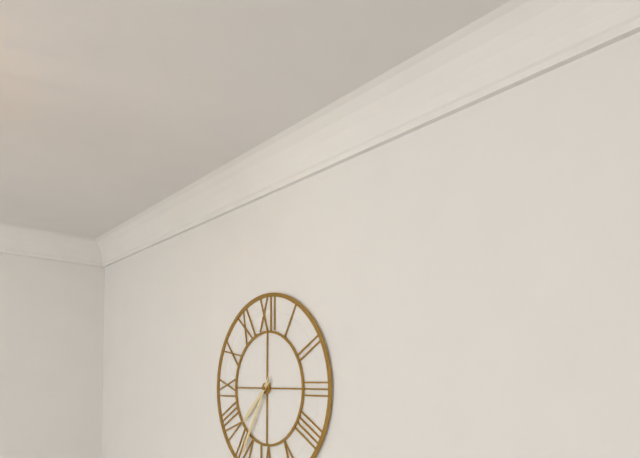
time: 7:35
